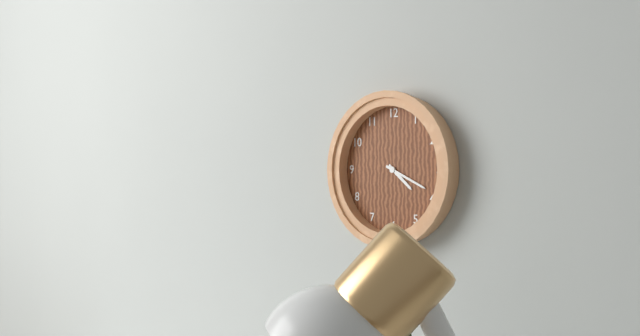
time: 4:19
